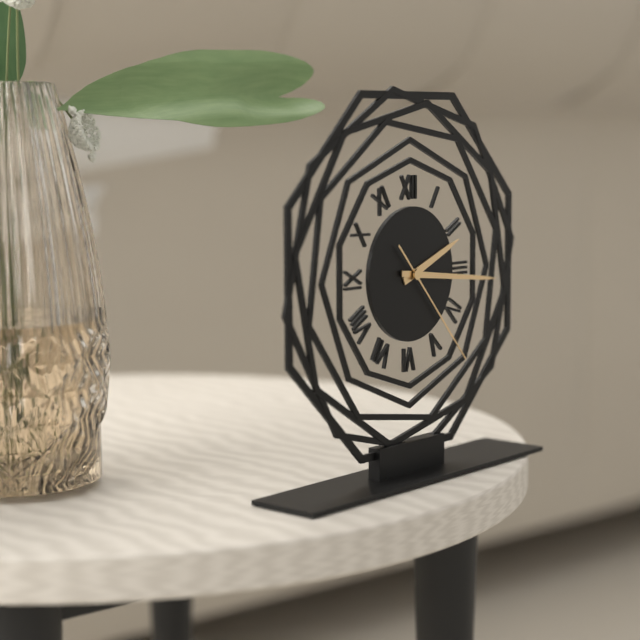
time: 2:16:23
